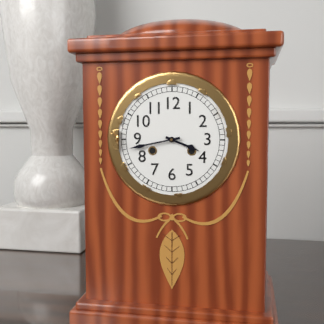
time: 3:43
